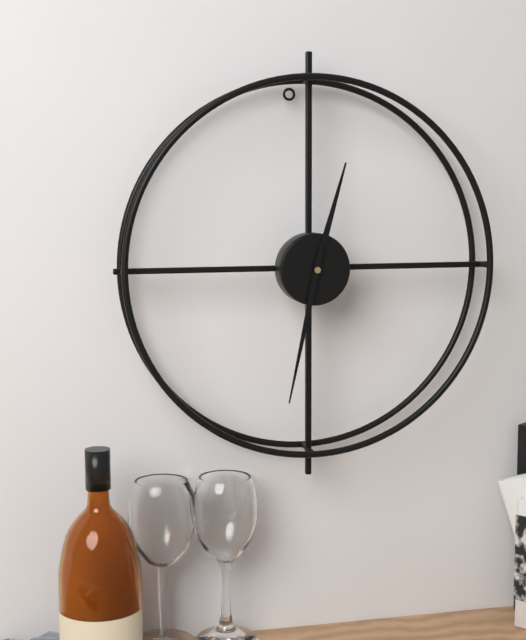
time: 12:32
